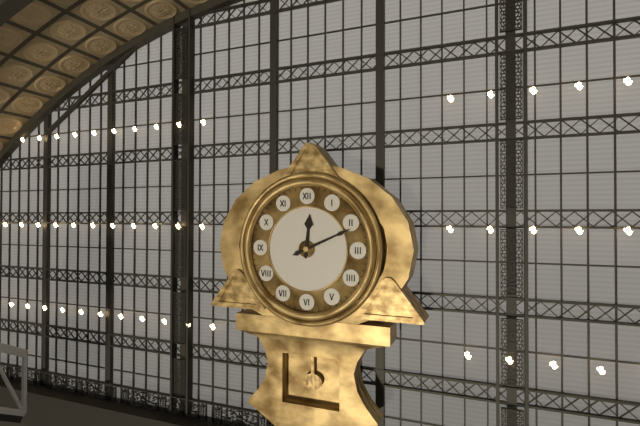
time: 12:11
